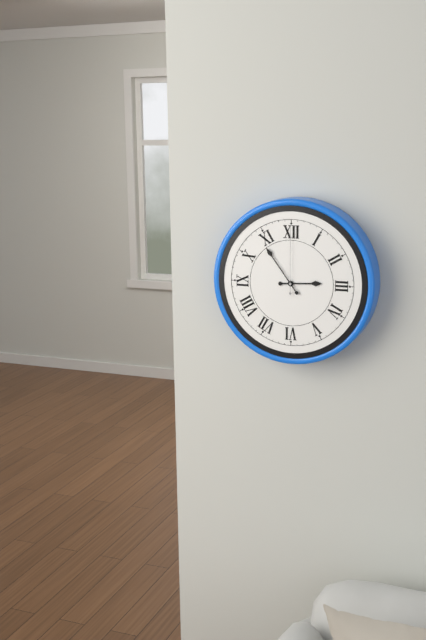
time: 2:54:00
